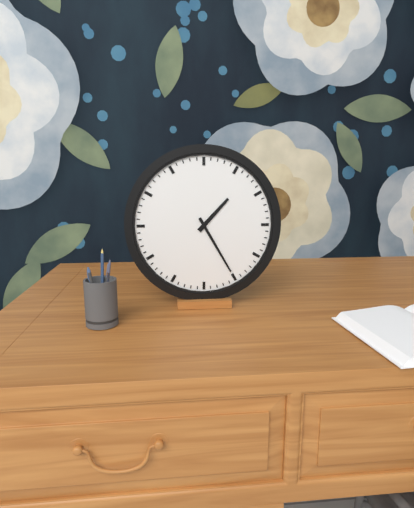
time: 1:25
